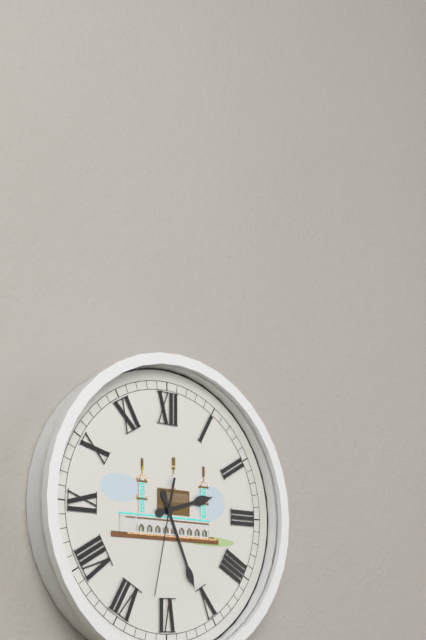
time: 2:26:32
